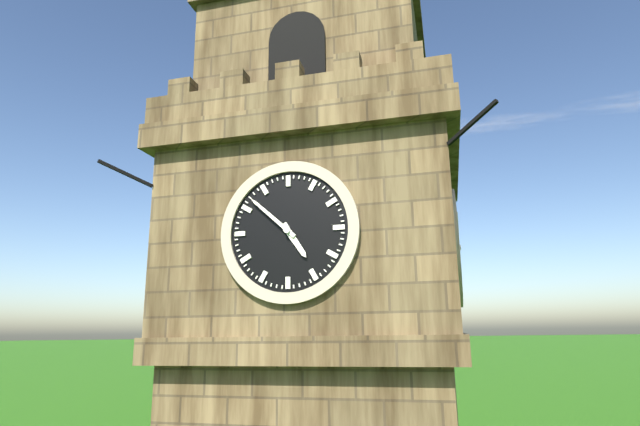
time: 4:52
